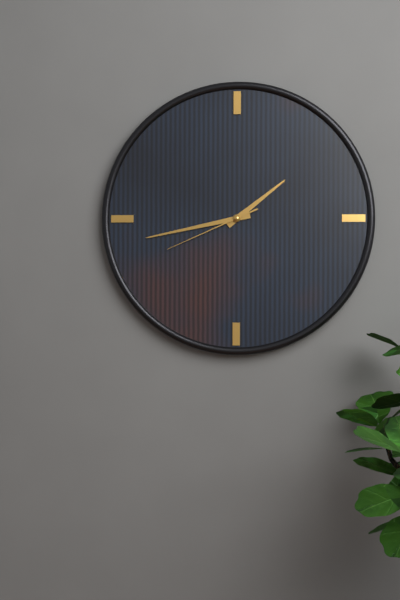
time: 1:43:41
